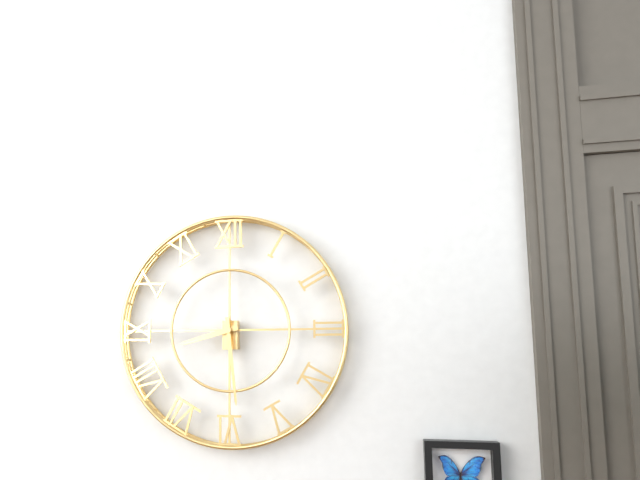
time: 8:29
